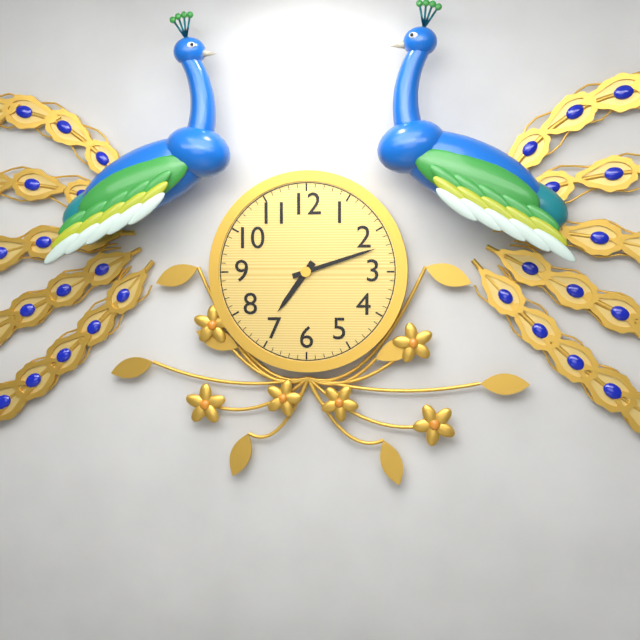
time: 7:12
